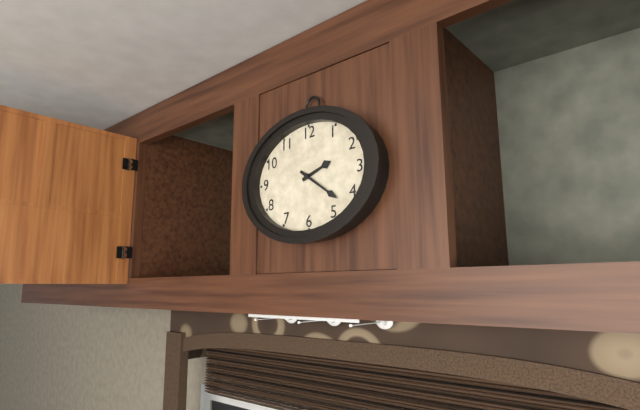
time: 2:21
